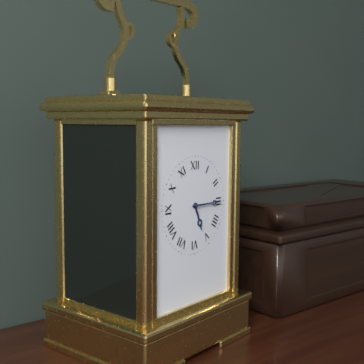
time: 5:15
